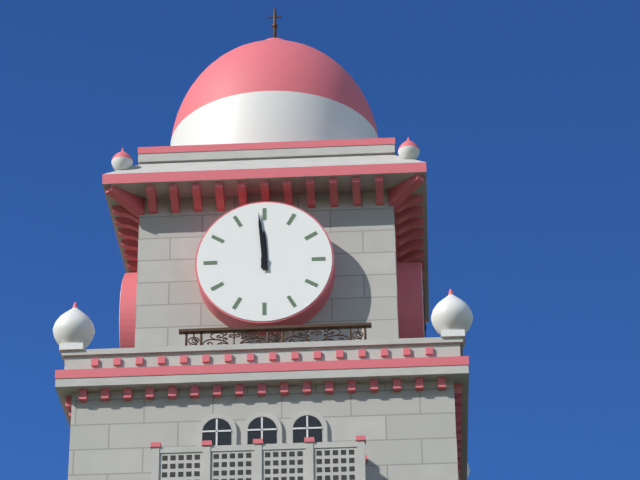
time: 11:59
